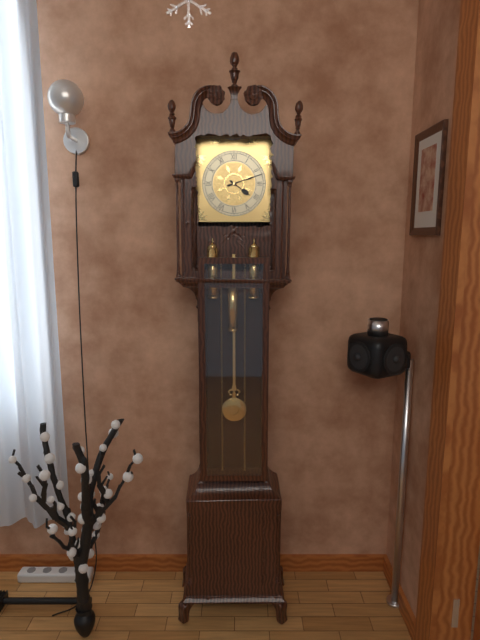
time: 4:12
